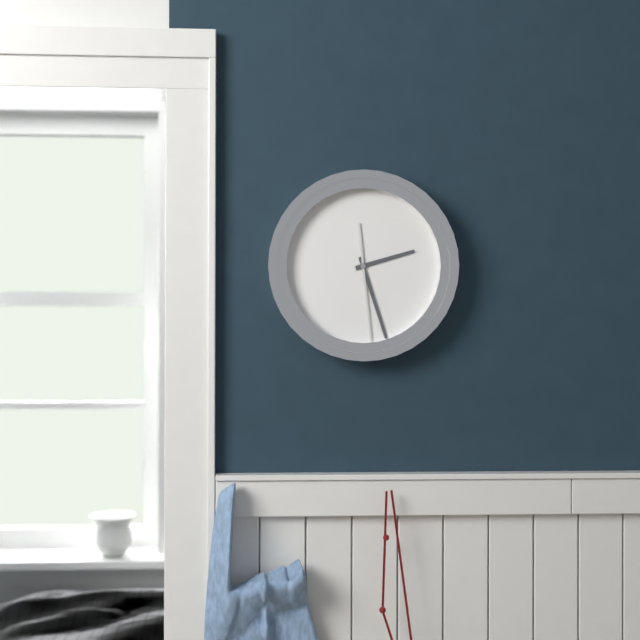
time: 2:27:29
